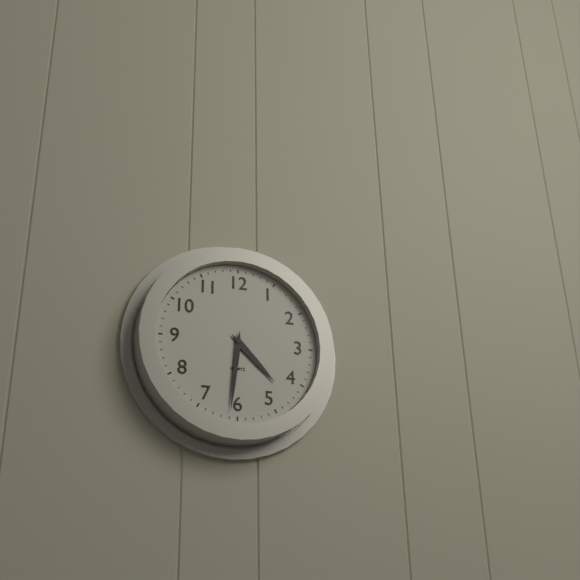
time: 4:31
